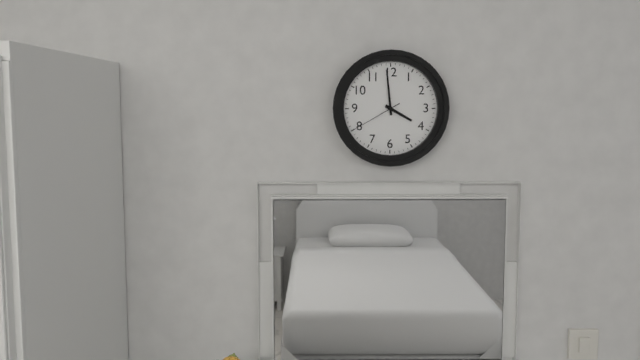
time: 3:59:40
